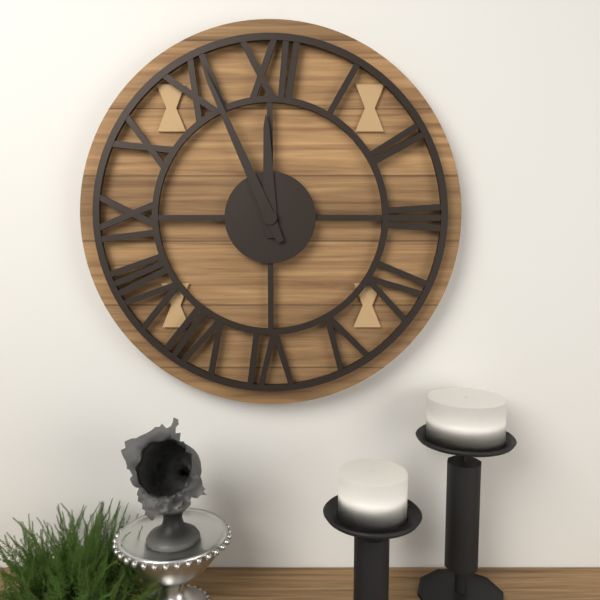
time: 11:56
